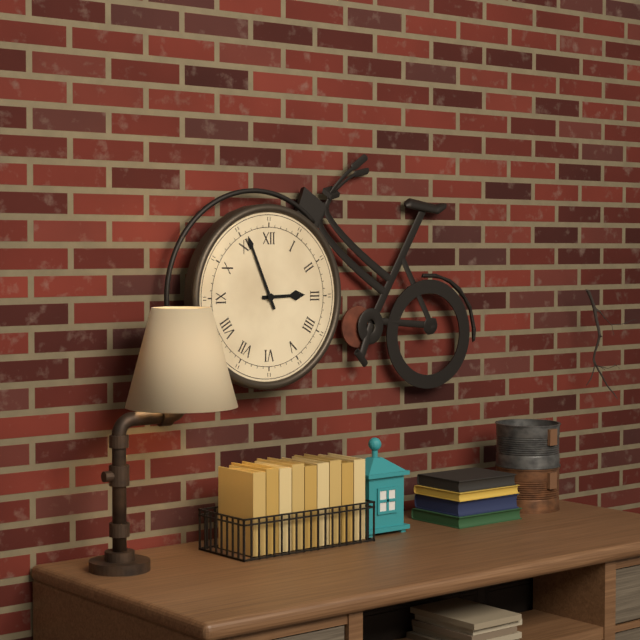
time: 2:56
